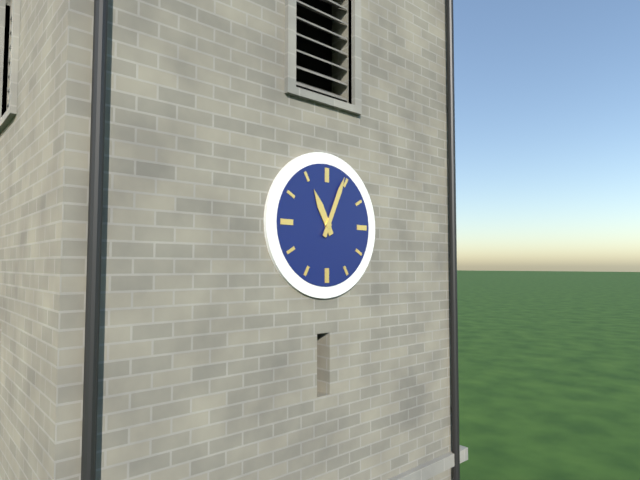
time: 11:04
